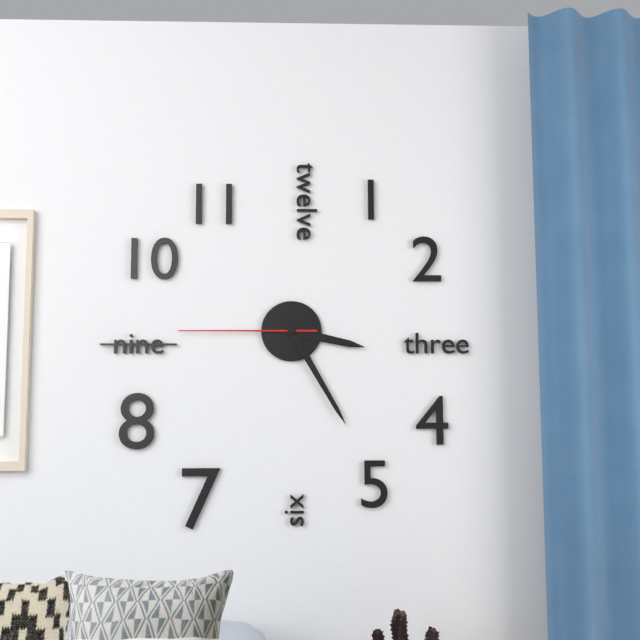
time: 3:25:45
